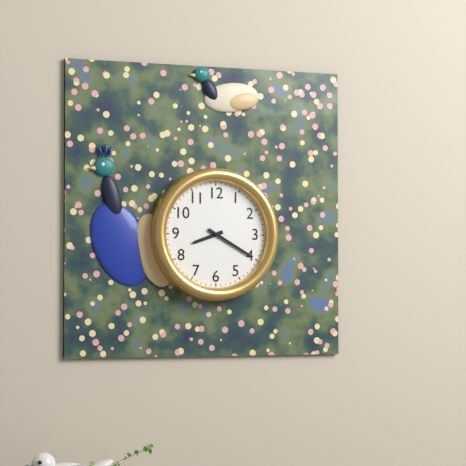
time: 8:20
